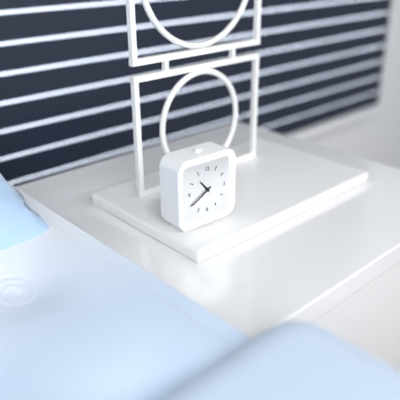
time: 10:40
